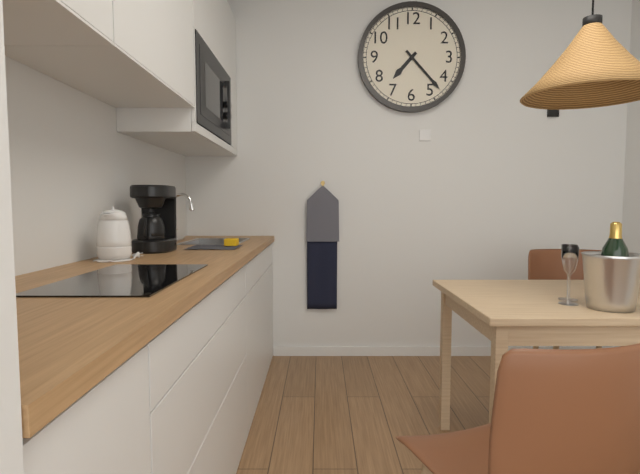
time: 7:23
